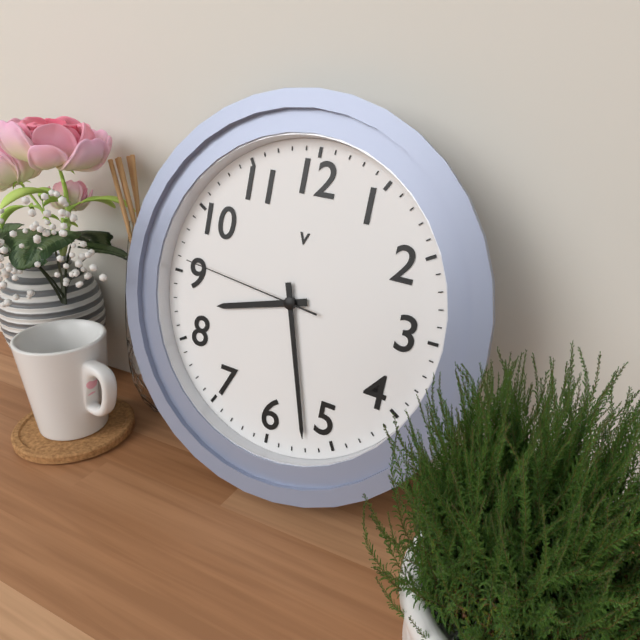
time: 8:27:46
